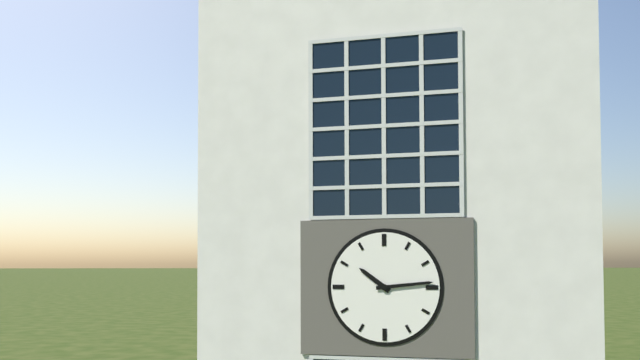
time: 10:14
